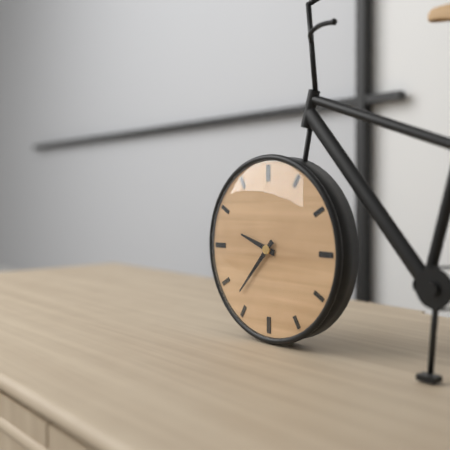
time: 9:37
